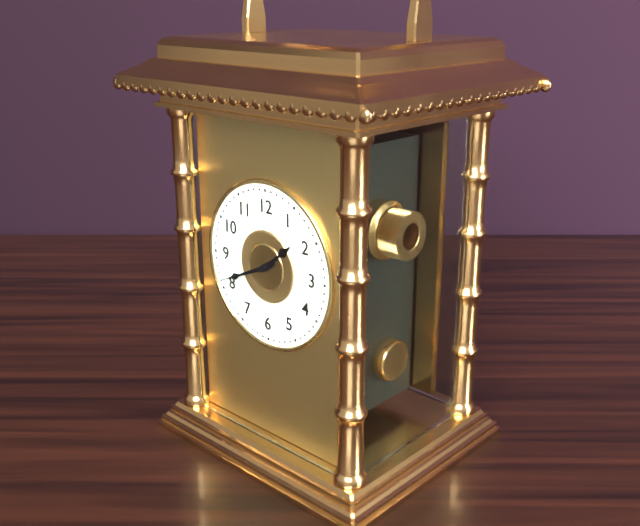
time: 1:41
